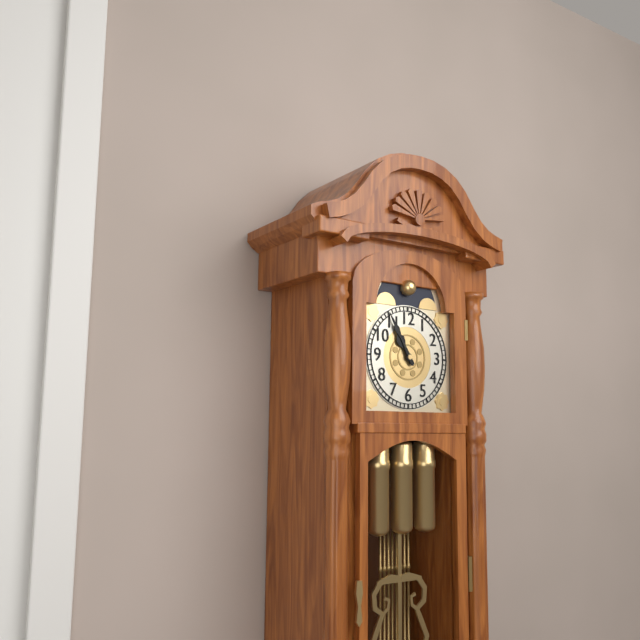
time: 10:55
